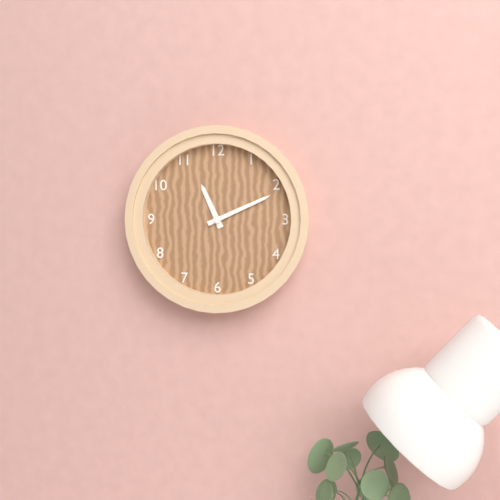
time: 11:11
